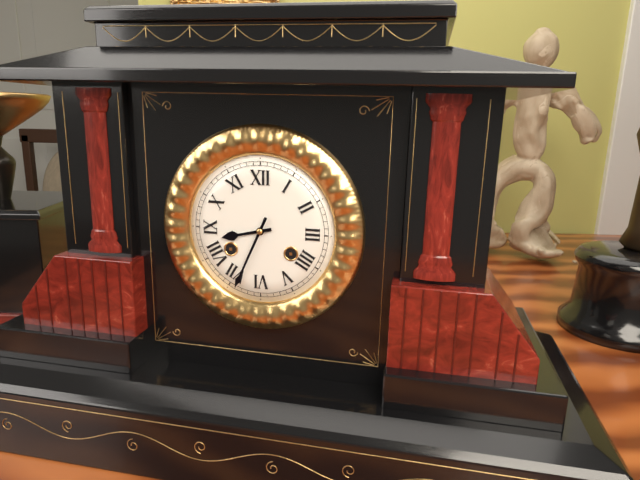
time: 8:34
